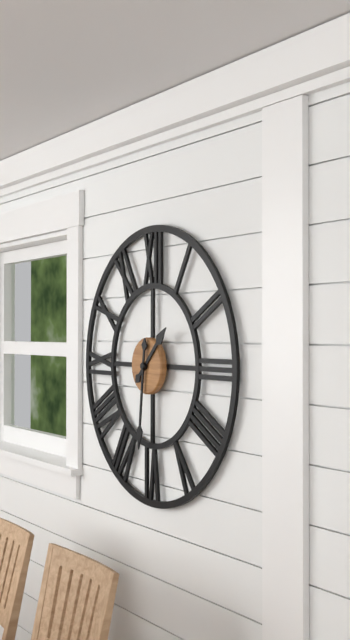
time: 1:31
